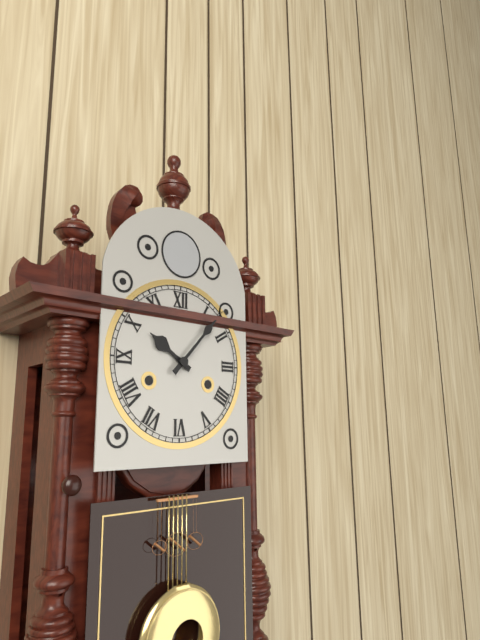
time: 10:07
